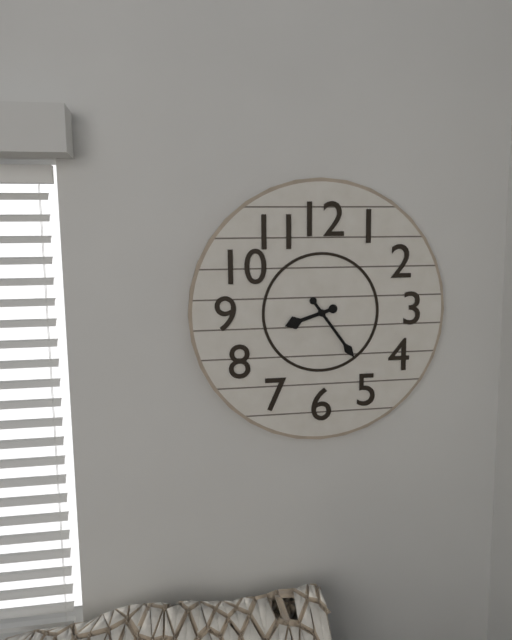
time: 8:24
